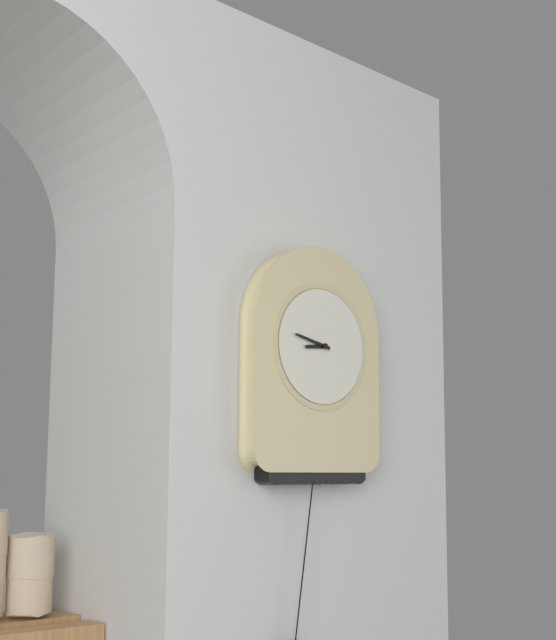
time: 8:47
